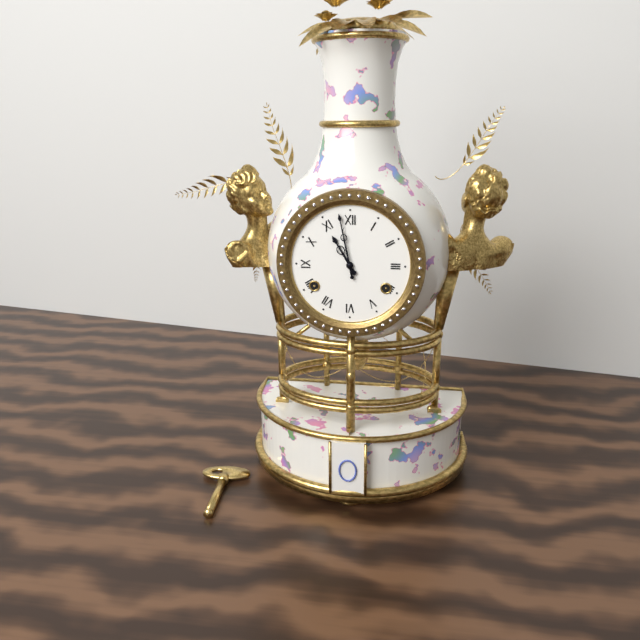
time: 10:58
